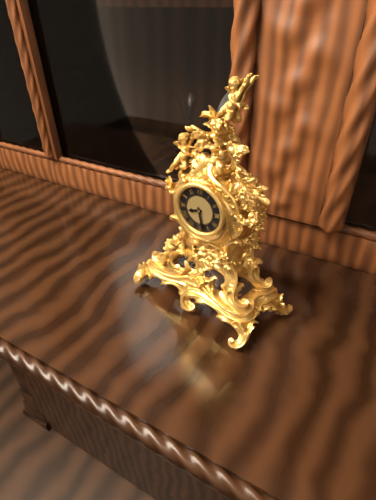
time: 8:28
